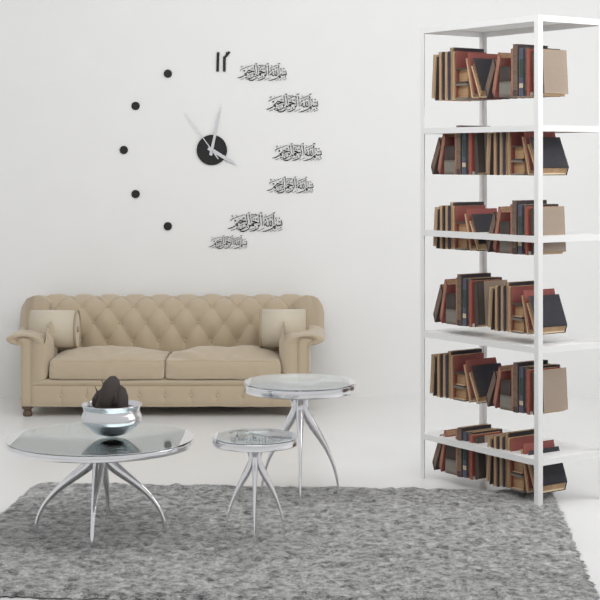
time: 4:02:54
